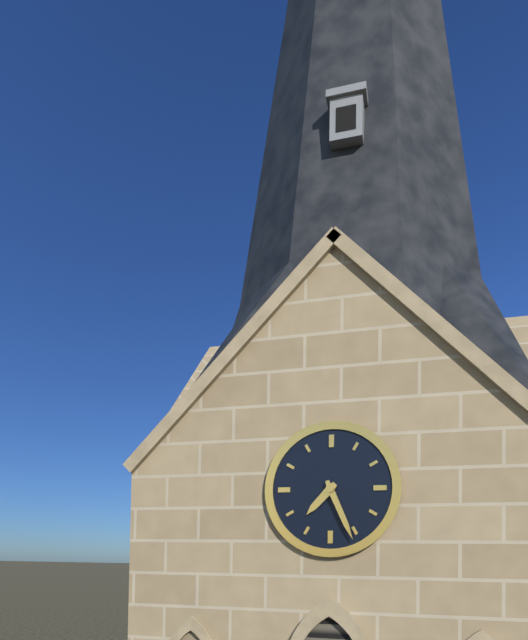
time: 7:26
